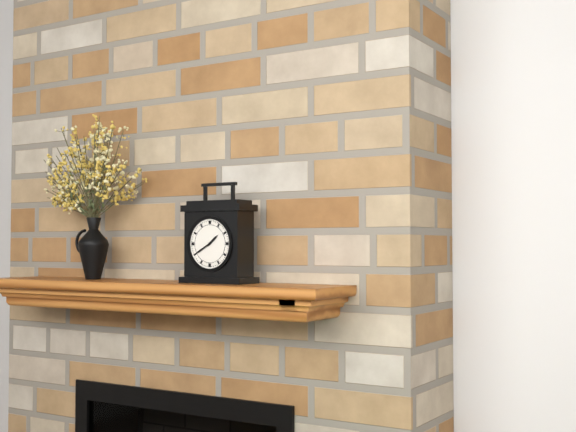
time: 1:40
